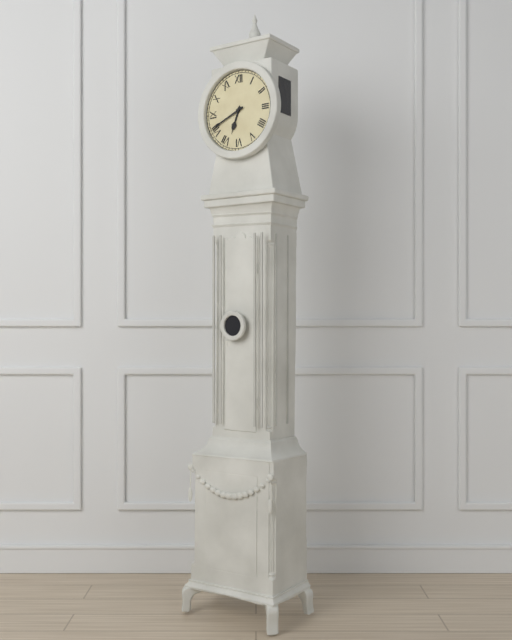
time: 6:41
